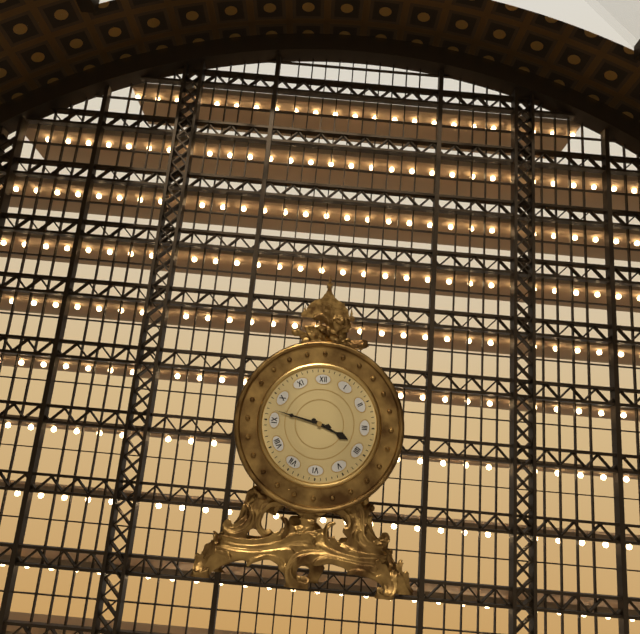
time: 3:47
